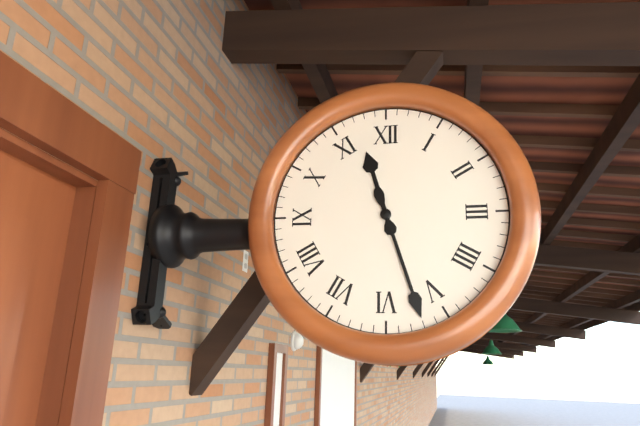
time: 11:27
